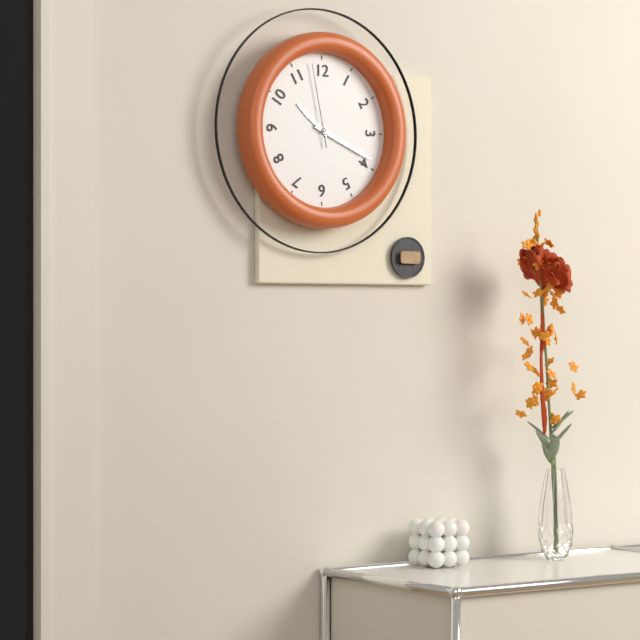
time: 10:19:58
